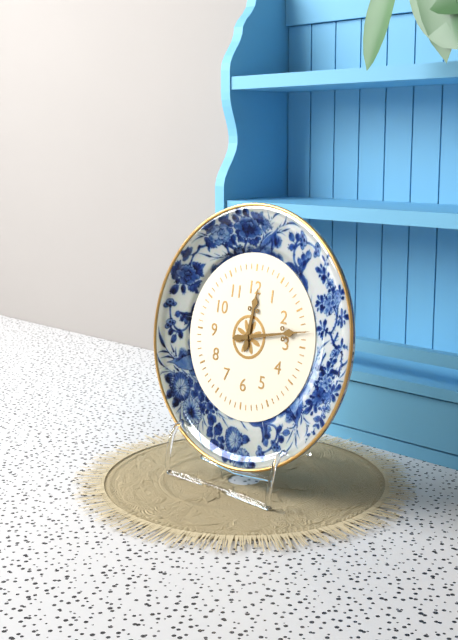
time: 12:13
